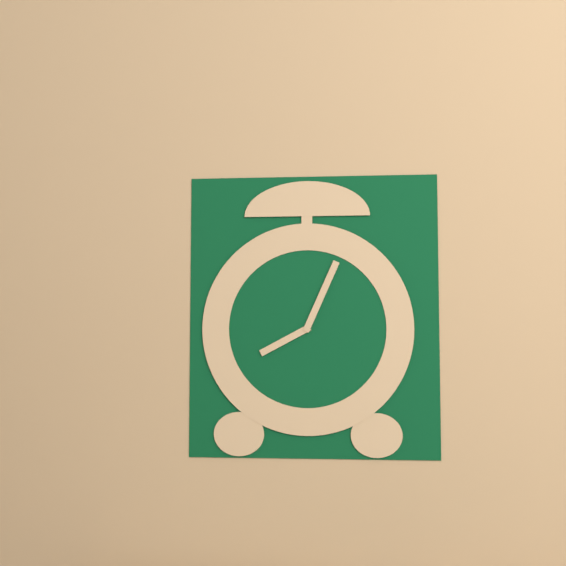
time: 8:04
